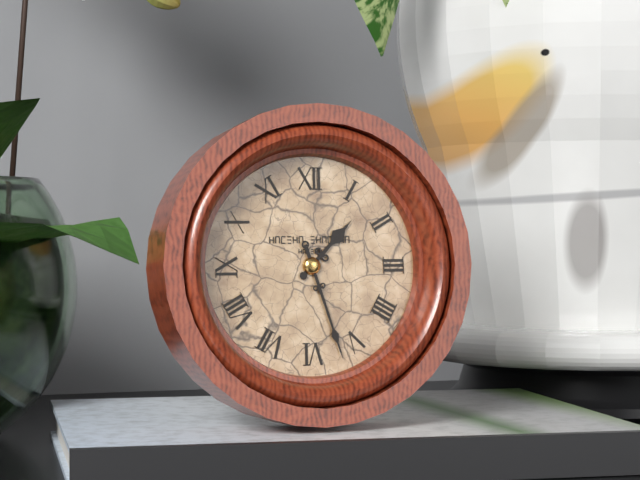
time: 1:27
